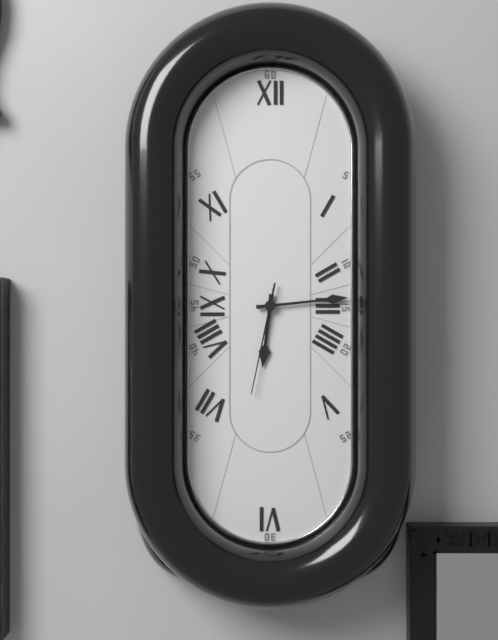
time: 6:14:32
